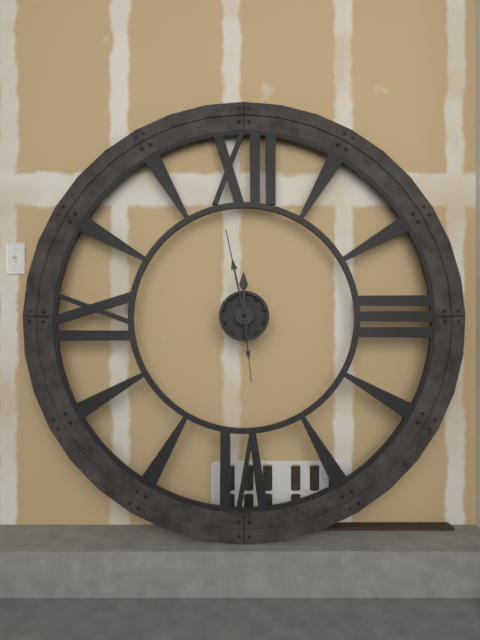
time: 11:58:29
